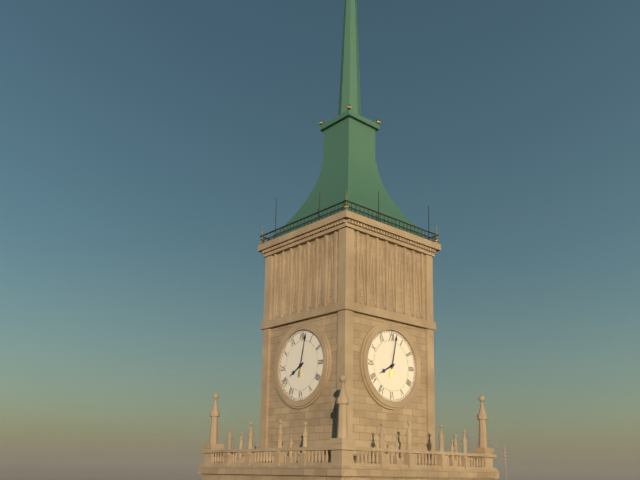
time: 8:02
